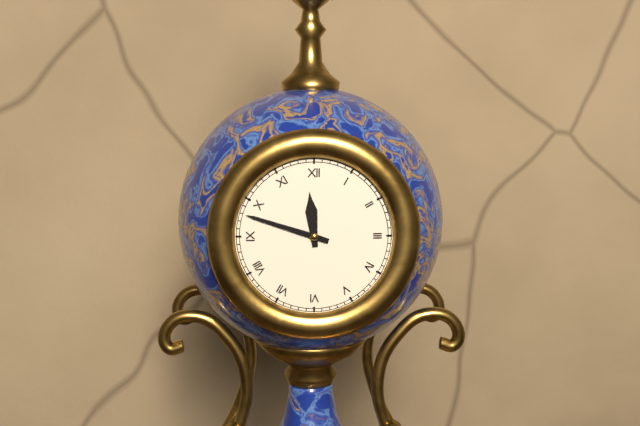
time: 11:48
